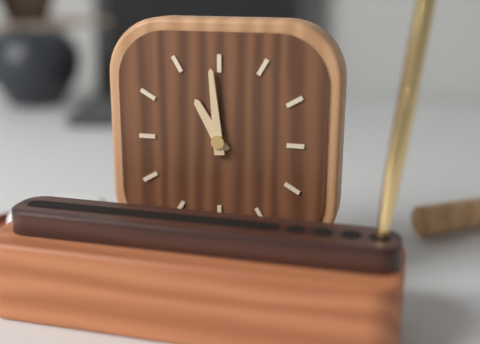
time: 10:59
